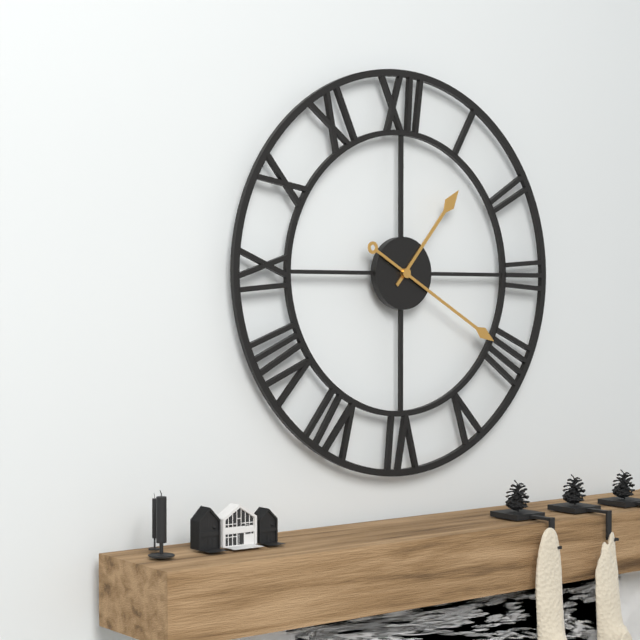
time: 1:20
